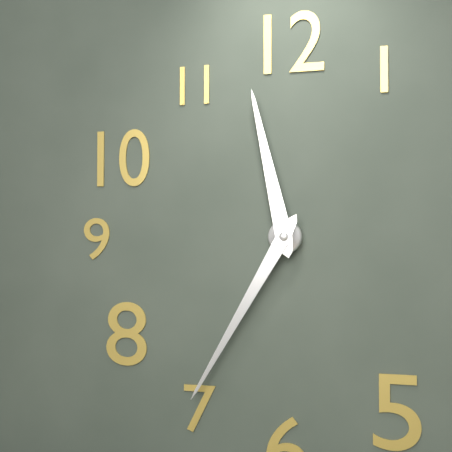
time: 11:35
